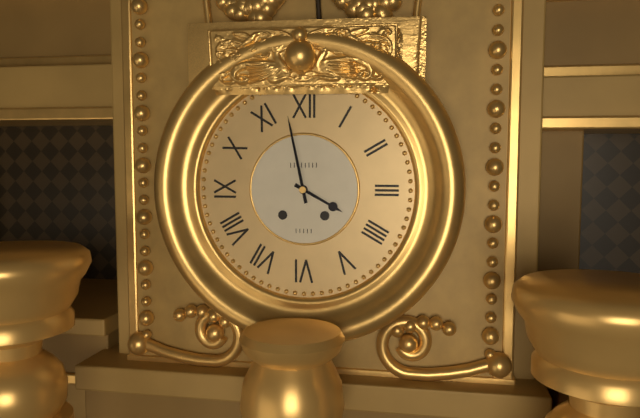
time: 3:58
